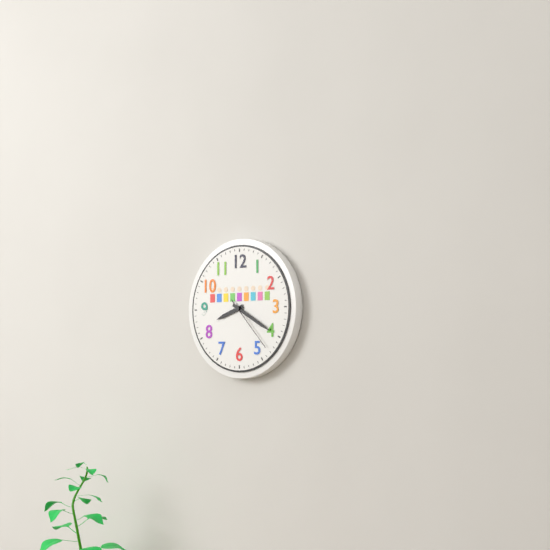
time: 8:20:23
